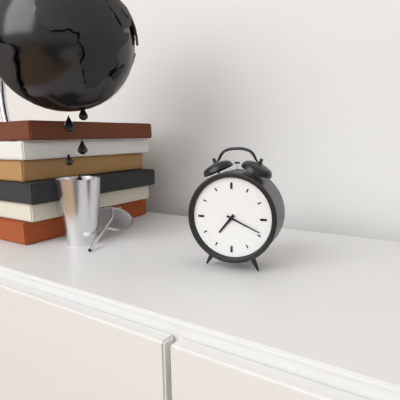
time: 7:19
